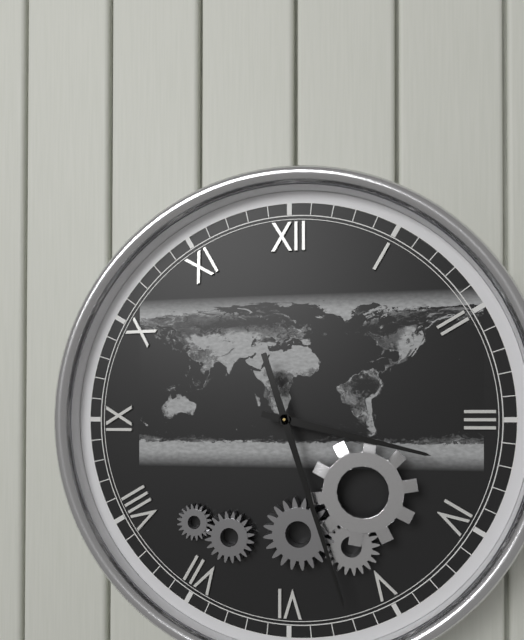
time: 3:27
